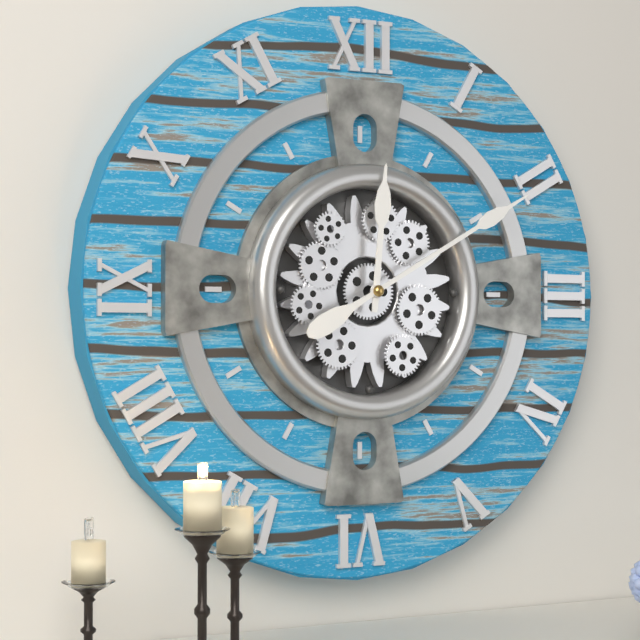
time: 12:10
